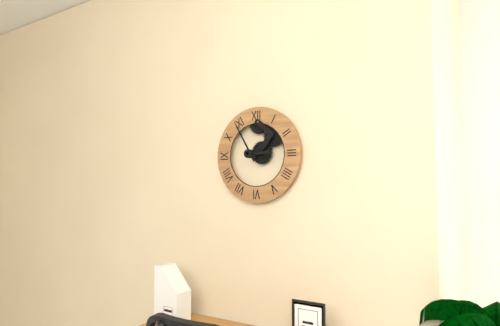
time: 2:55
